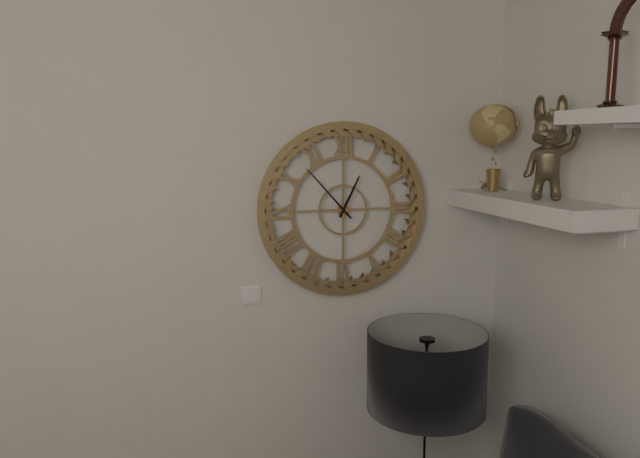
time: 12:53
